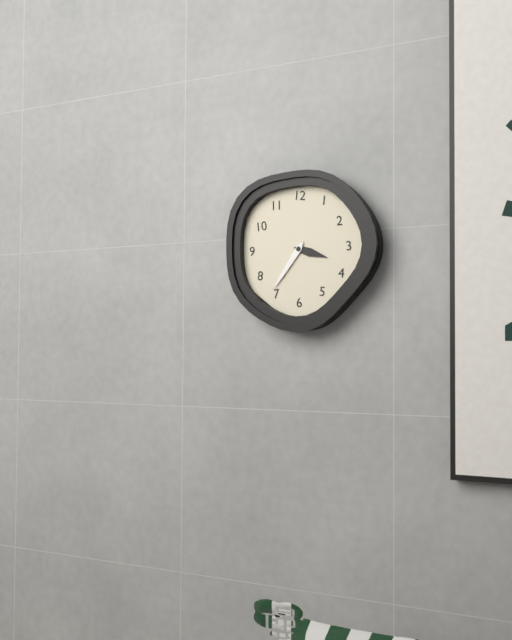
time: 3:36
